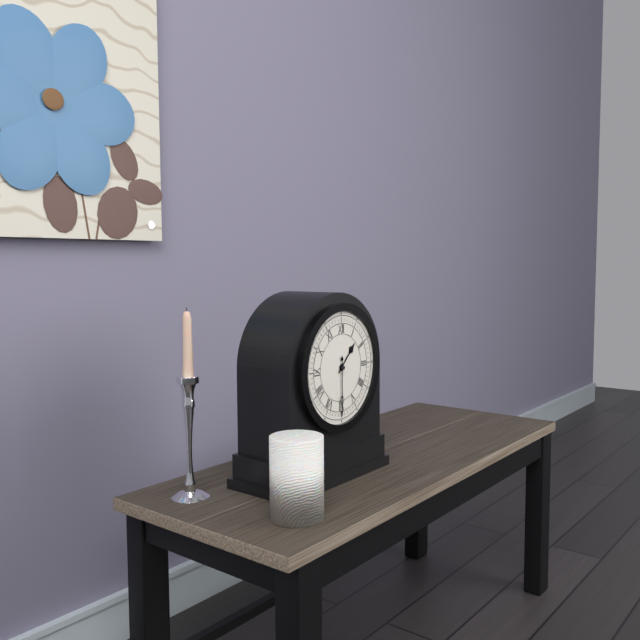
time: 1:30
